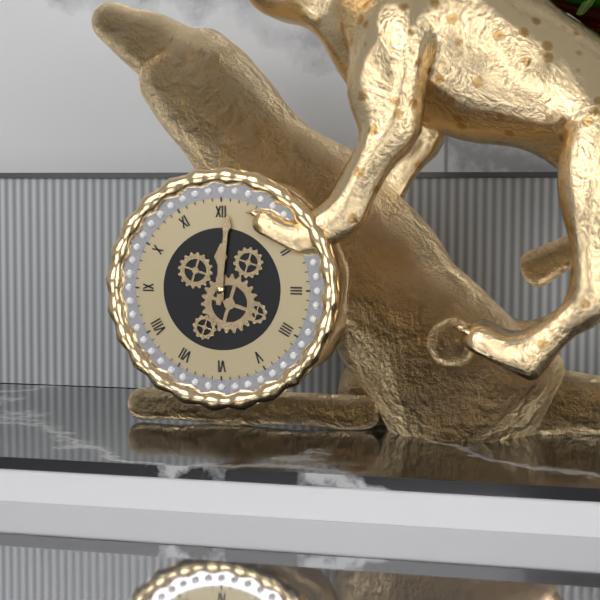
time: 12:01
